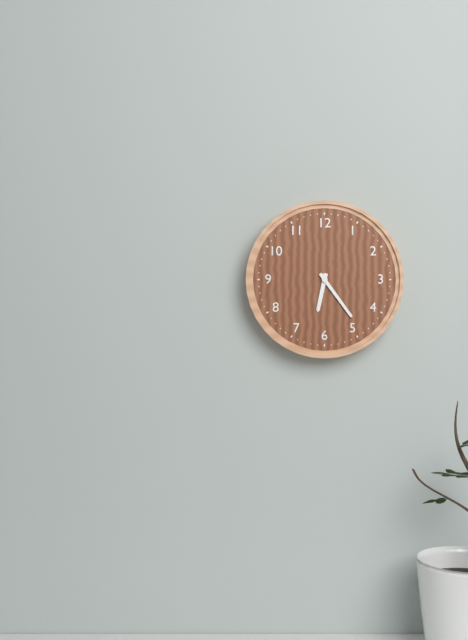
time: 6:24
